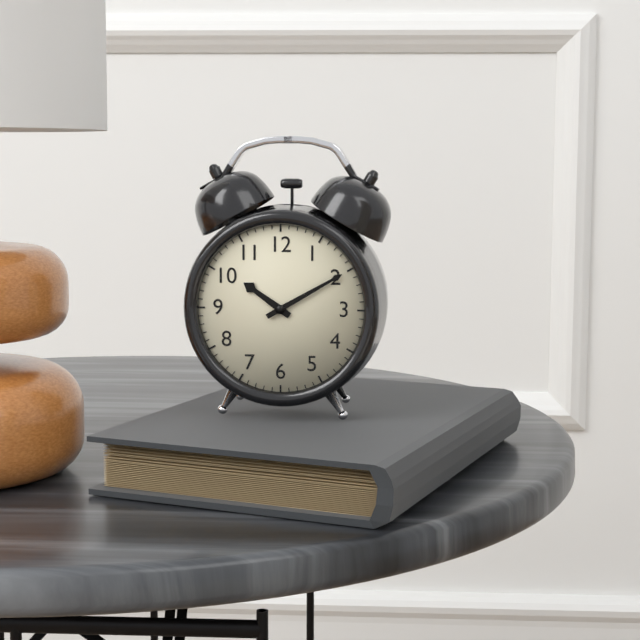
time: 10:10
